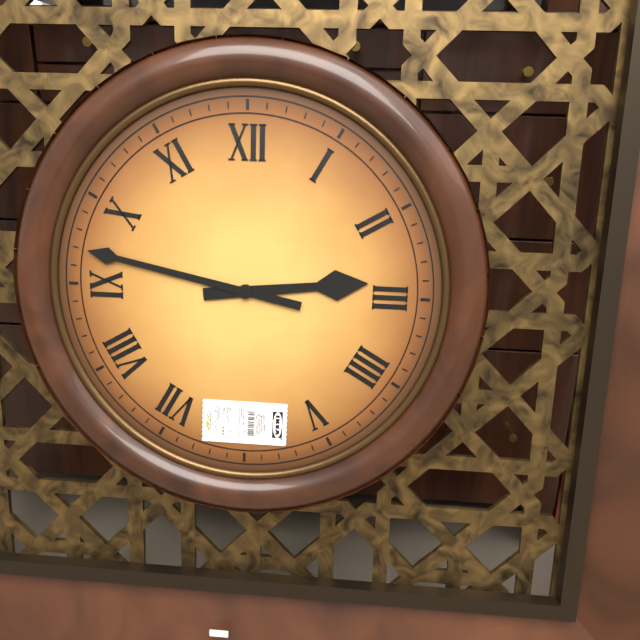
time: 2:47
